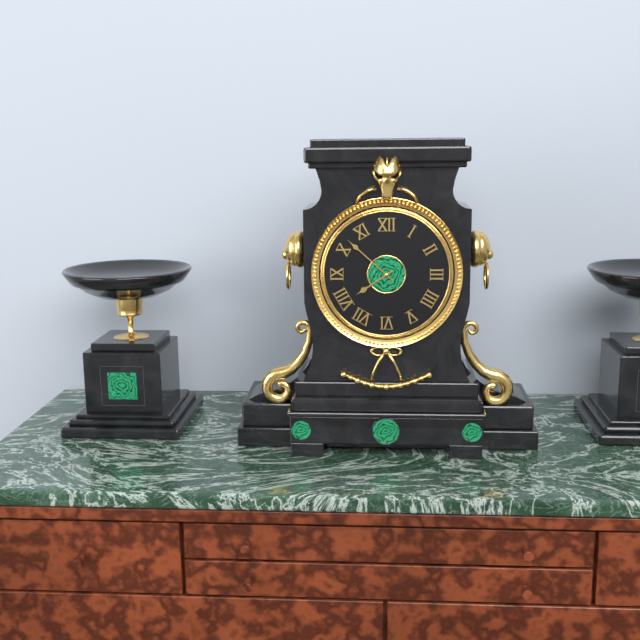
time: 7:52
